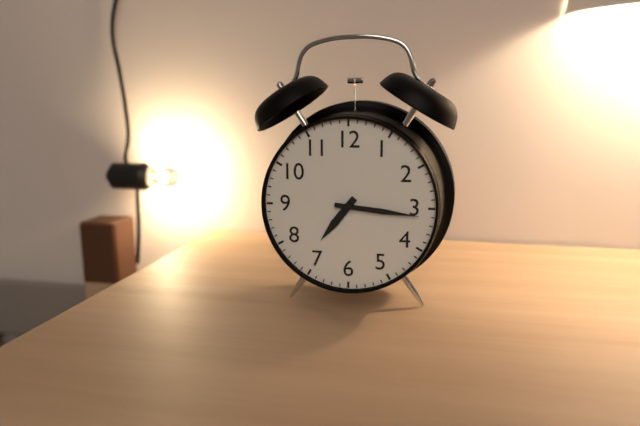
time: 7:16
